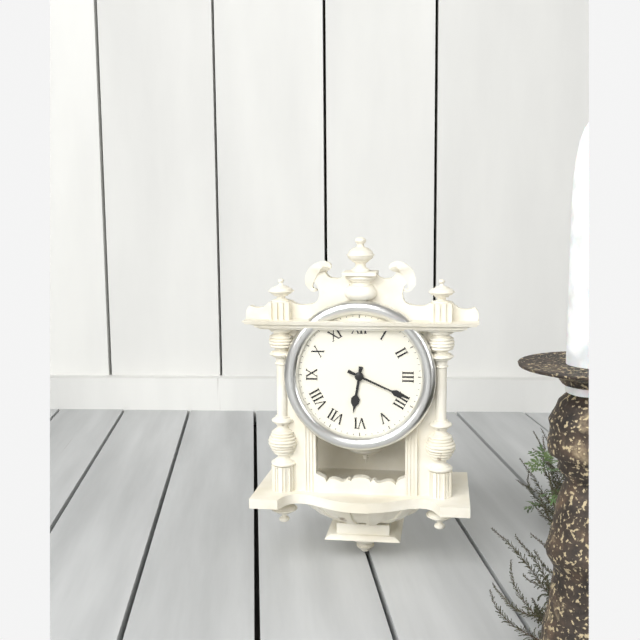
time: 6:19
